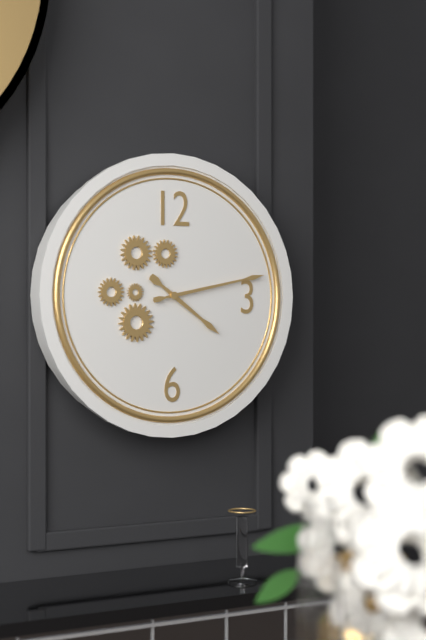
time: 4:13
